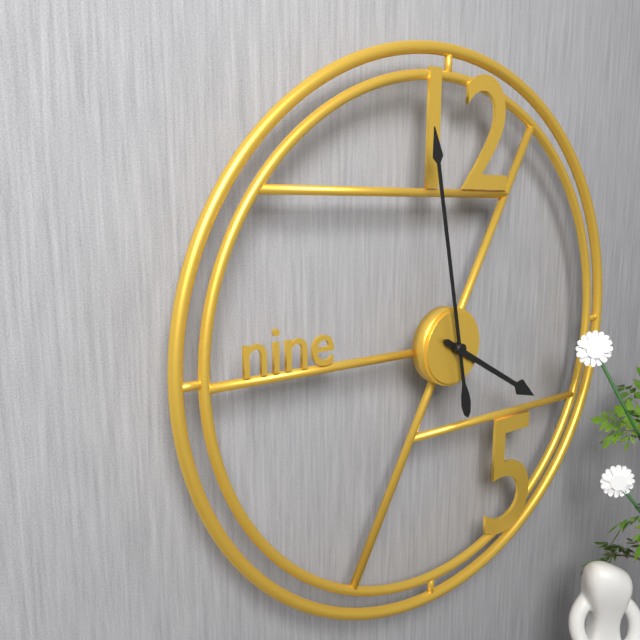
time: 3:58
